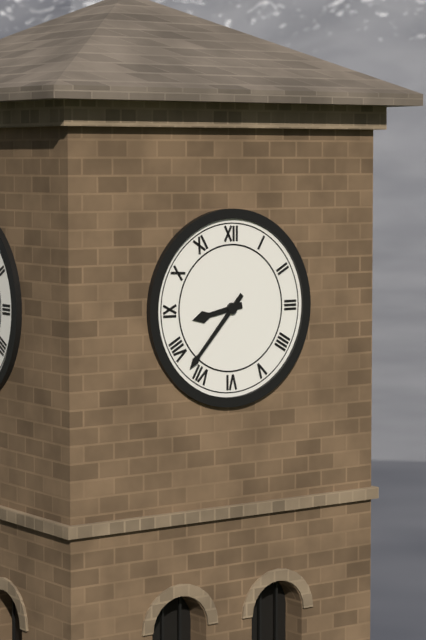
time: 8:37
